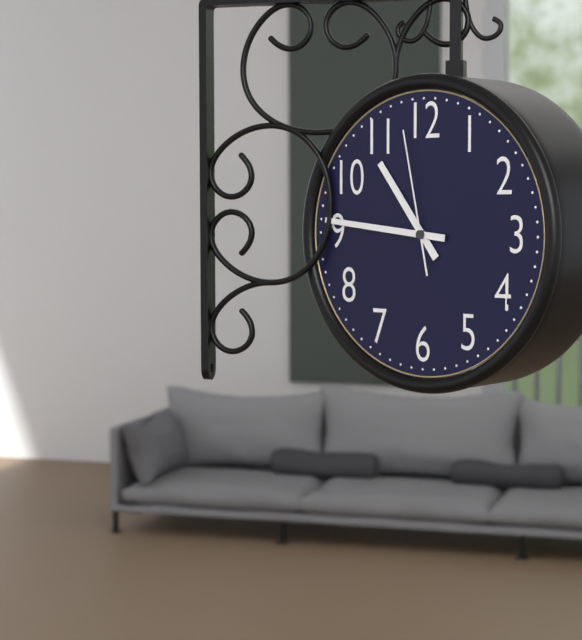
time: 10:46:58
